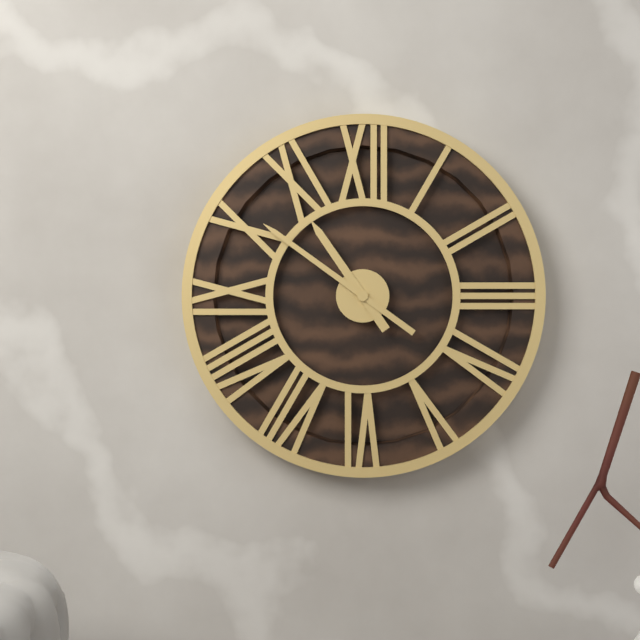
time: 10:51
